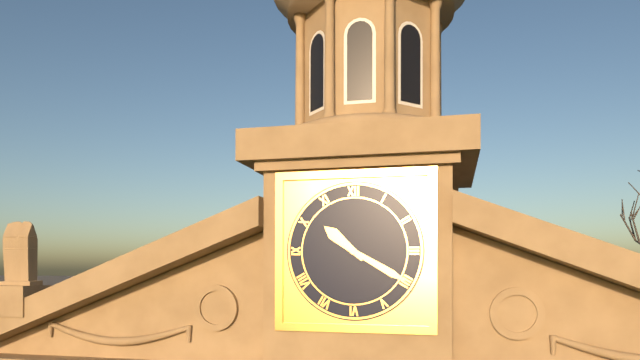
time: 10:20
